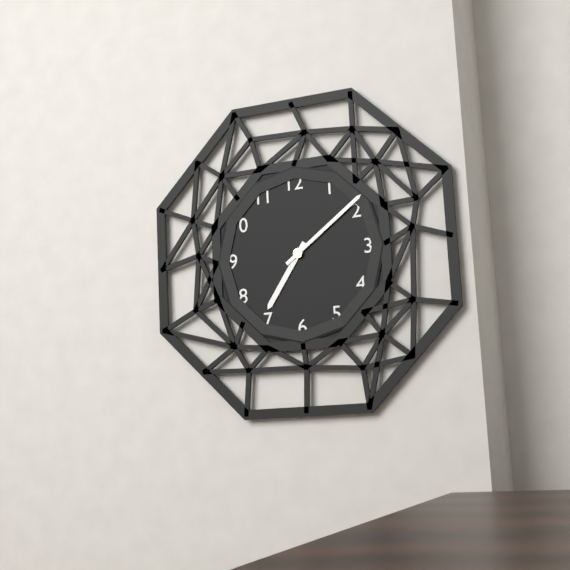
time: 7:09
